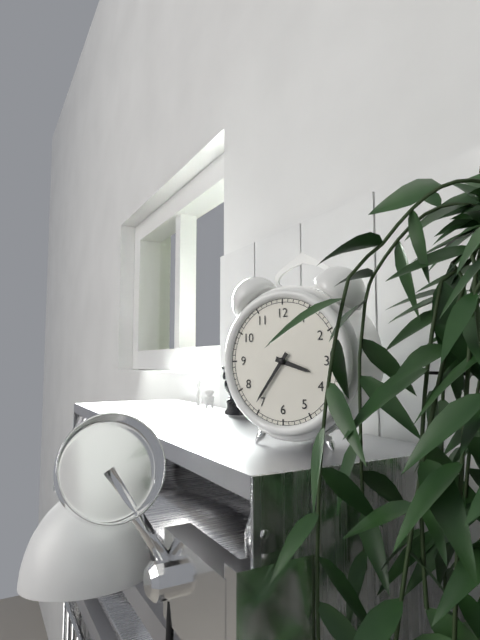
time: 3:36
